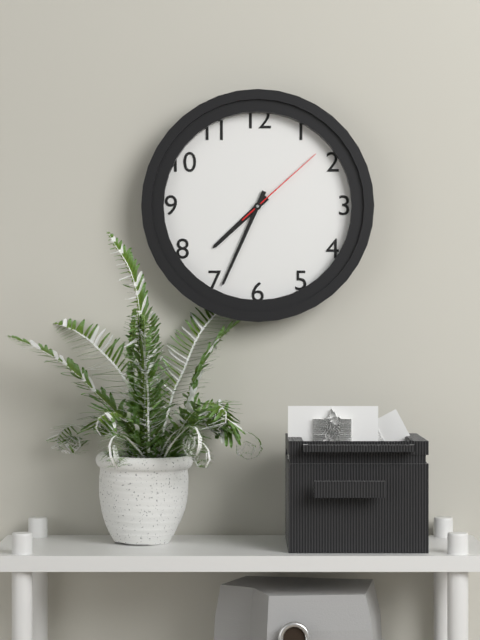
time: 7:34:08
